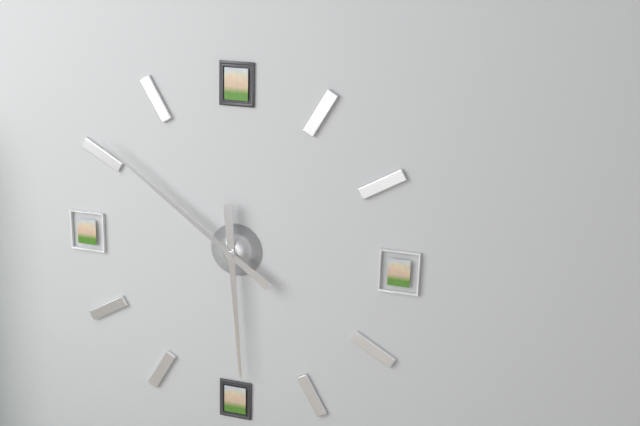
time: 5:51
